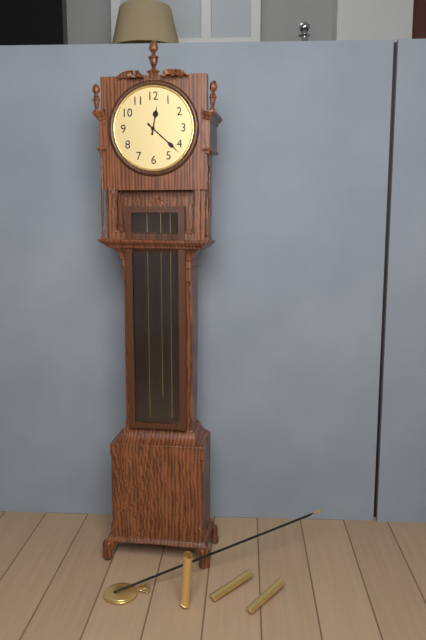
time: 12:22
